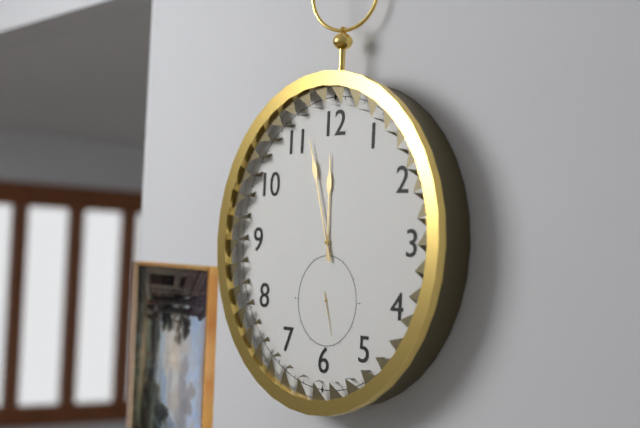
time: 11:57
